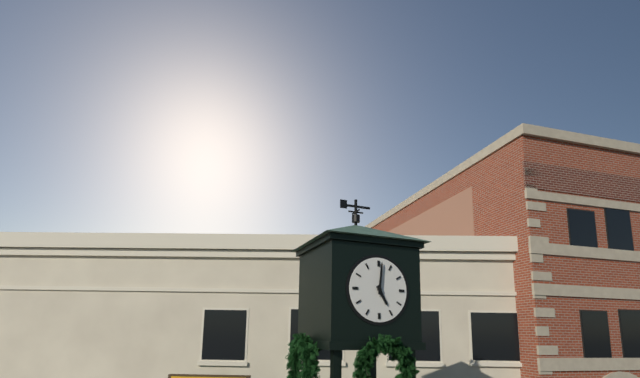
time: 5:01
